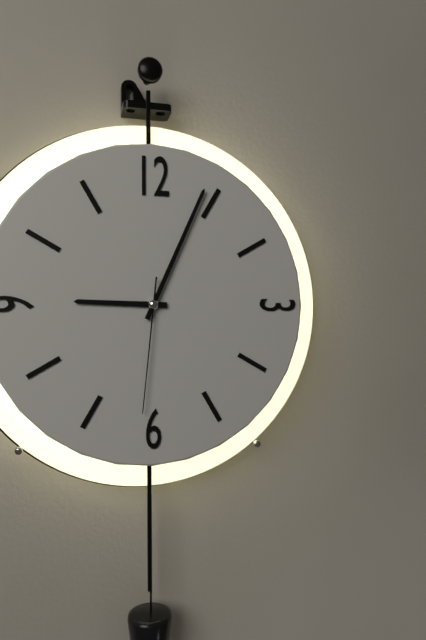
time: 9:04:31
